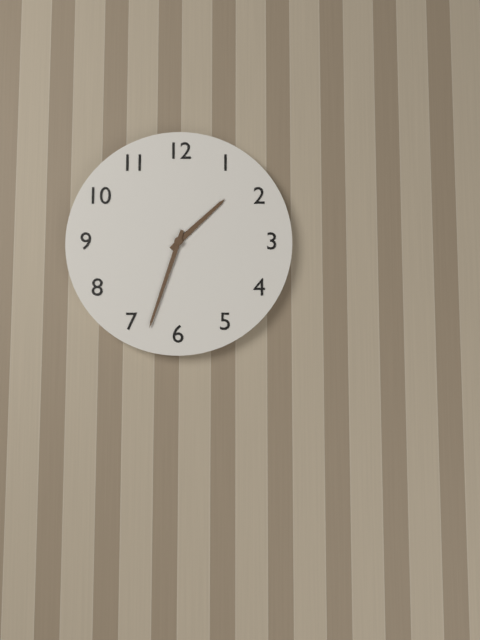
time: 1:33
